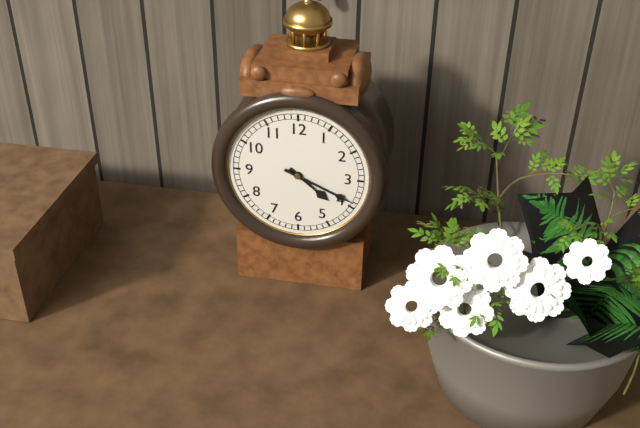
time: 4:19
